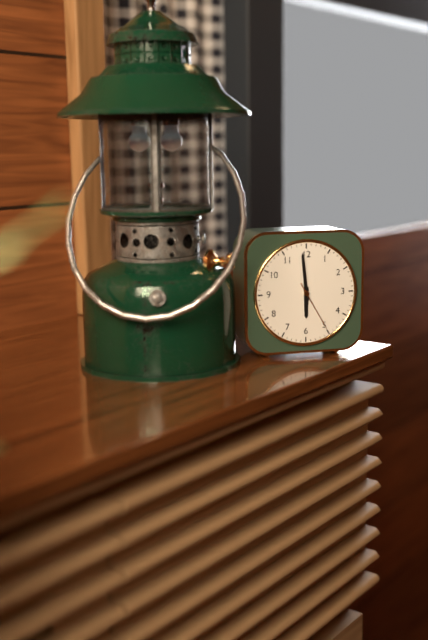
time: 5:59:25
